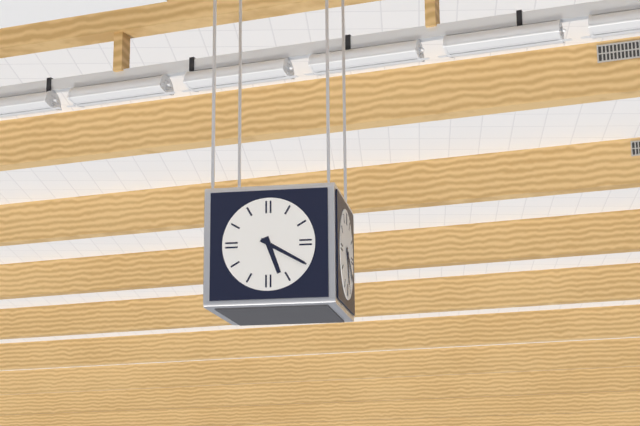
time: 5:20
